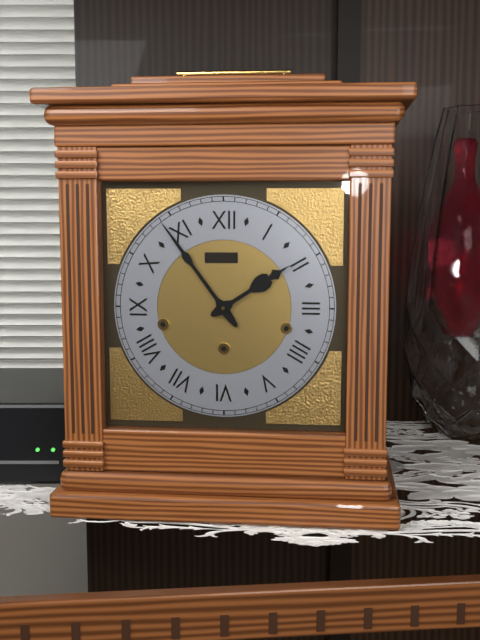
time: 1:54
